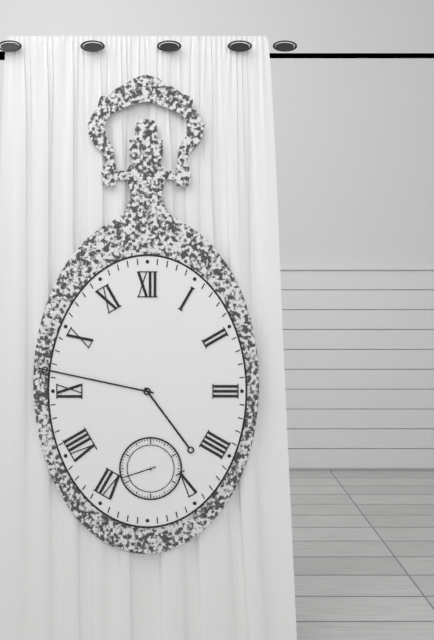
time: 4:47
